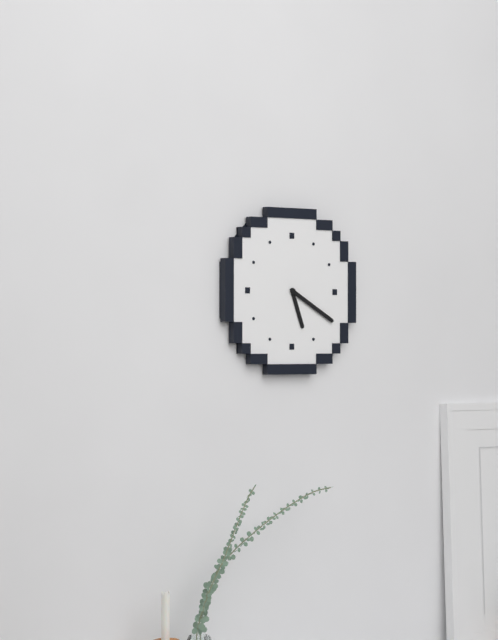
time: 5:20
